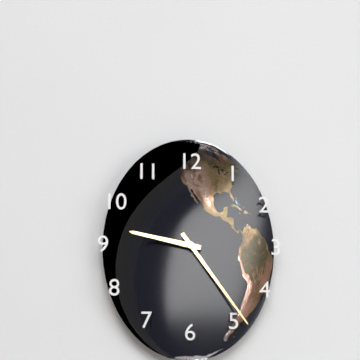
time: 9:24
